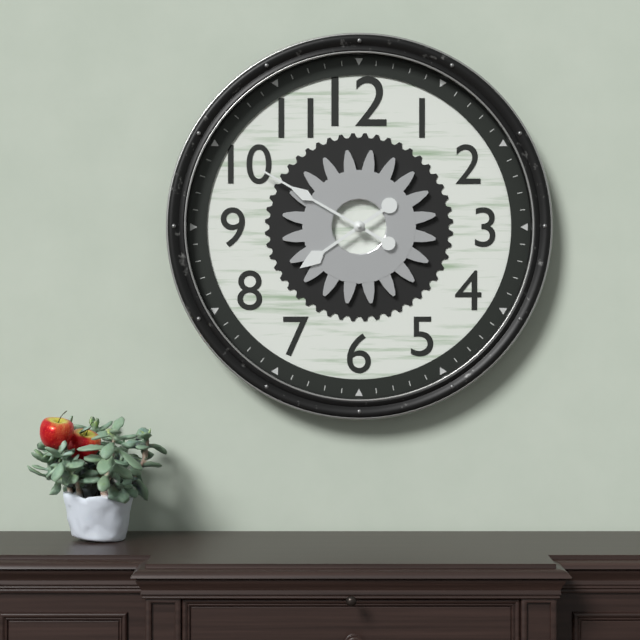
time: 7:50
